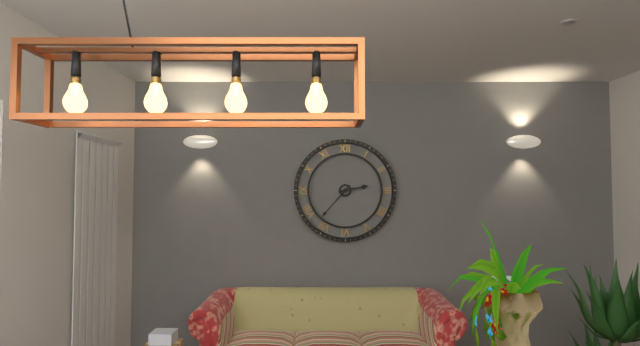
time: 2:37
